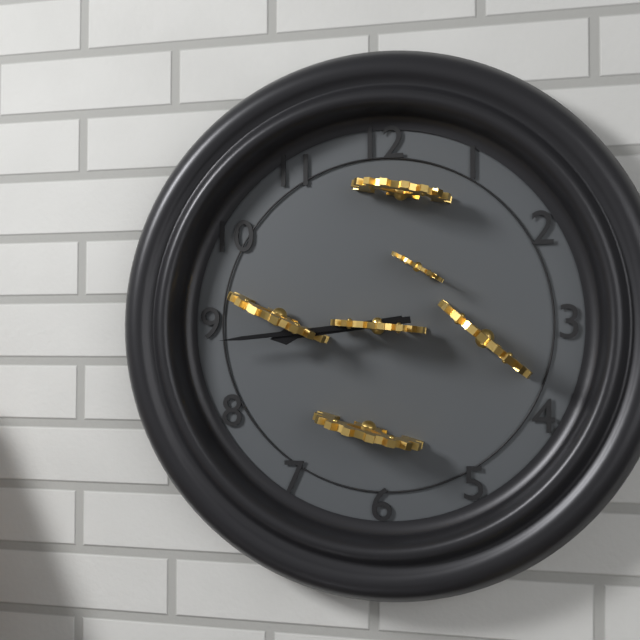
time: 8:44
